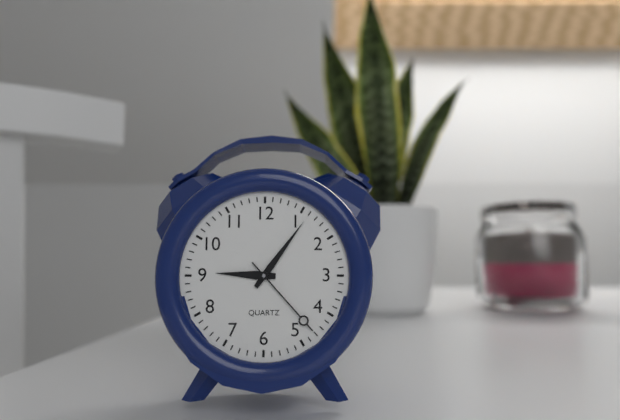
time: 9:06:23
